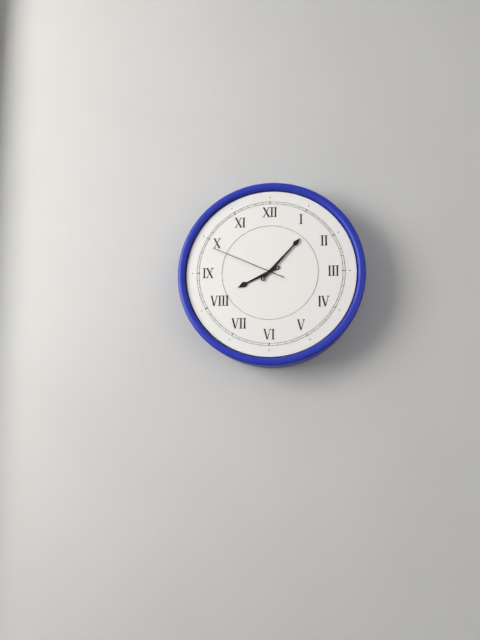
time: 8:07:49
